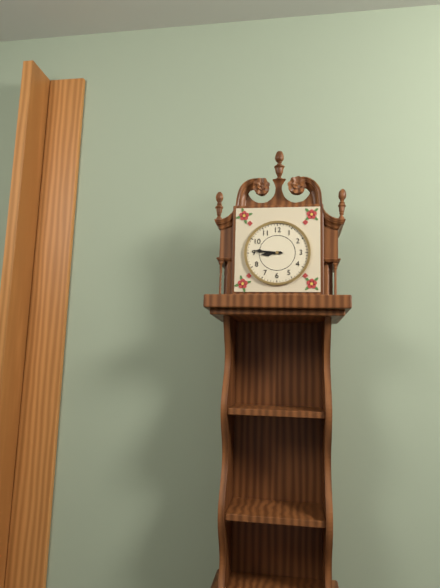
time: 8:46
